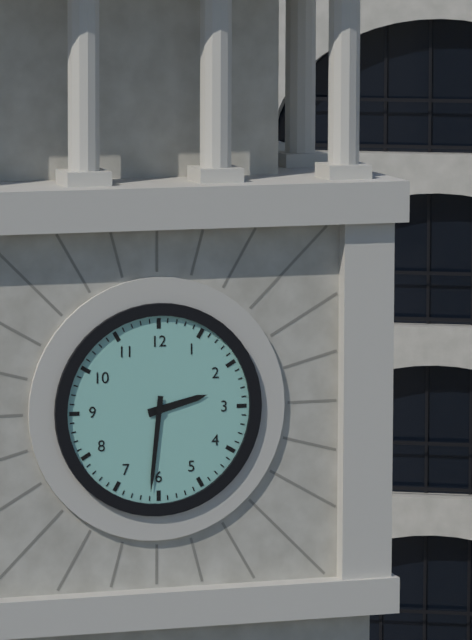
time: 2:31
